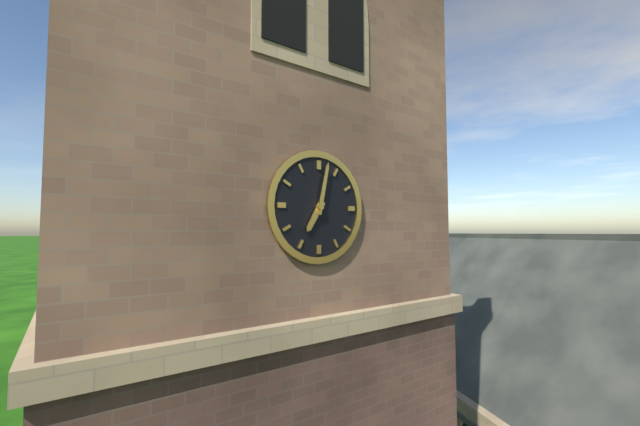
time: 7:02
